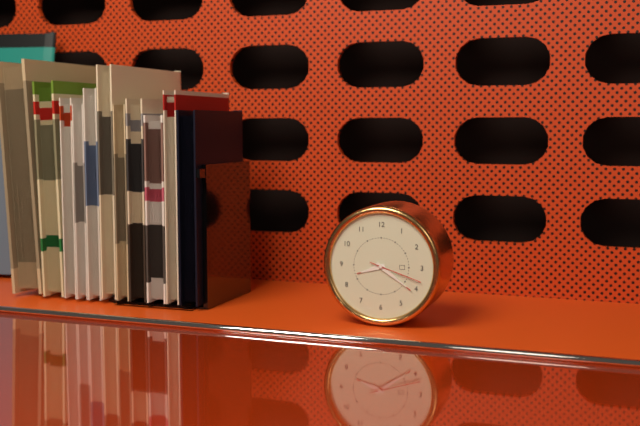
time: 8:21:18
